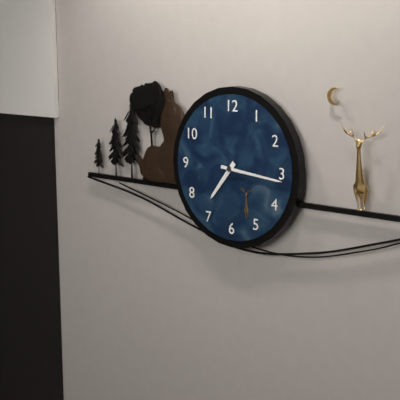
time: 7:16
